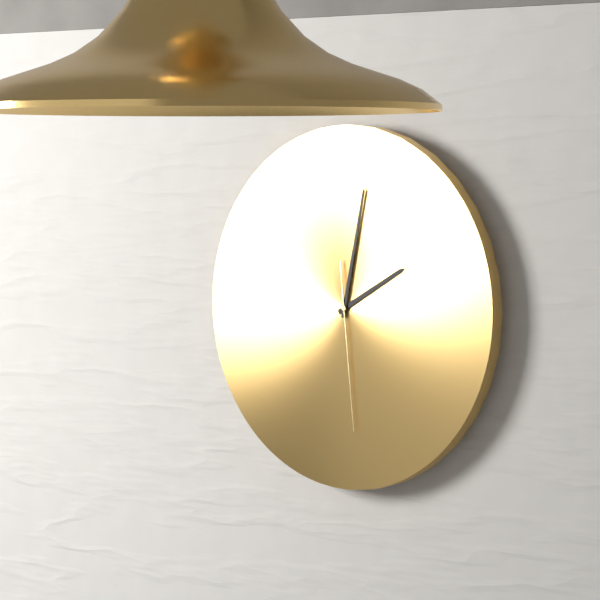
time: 2:02:29
